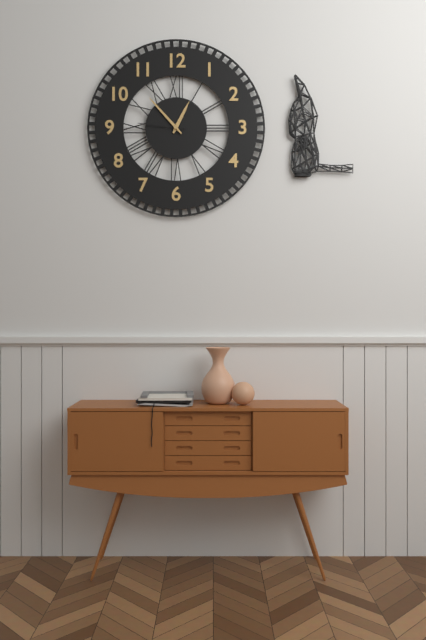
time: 12:53
